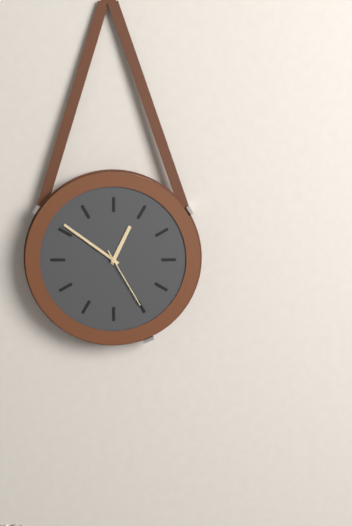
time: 12:51:25
